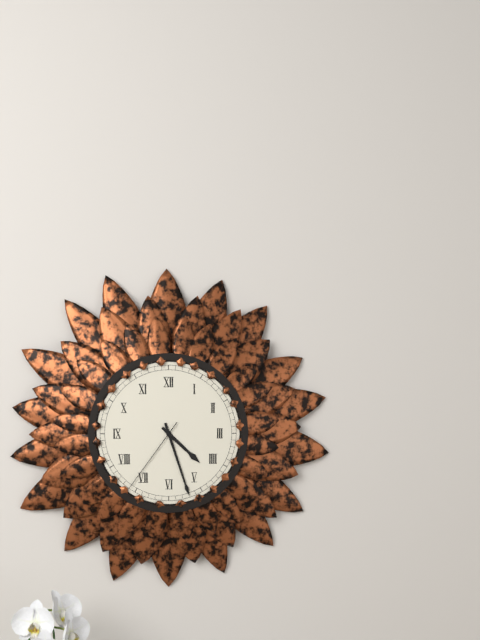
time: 4:27:36
